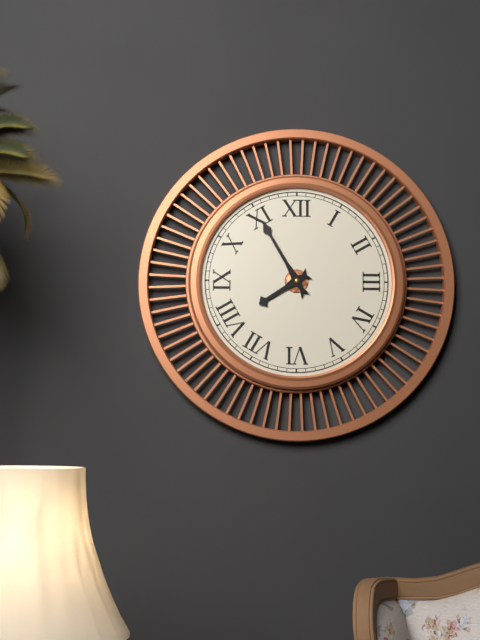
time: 7:55
